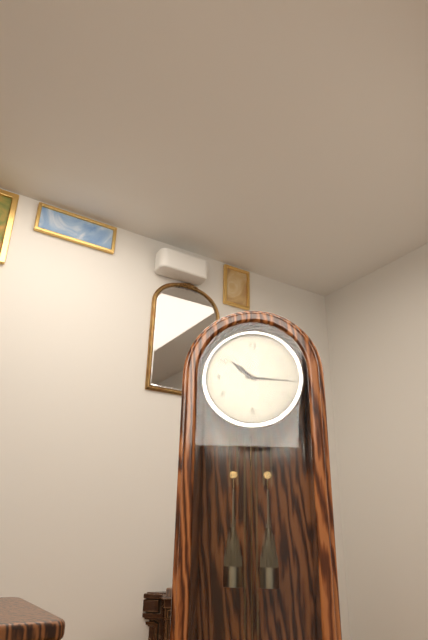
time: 10:16
